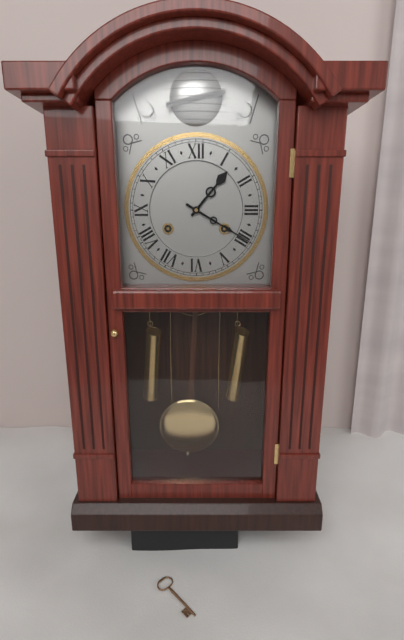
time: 1:20
